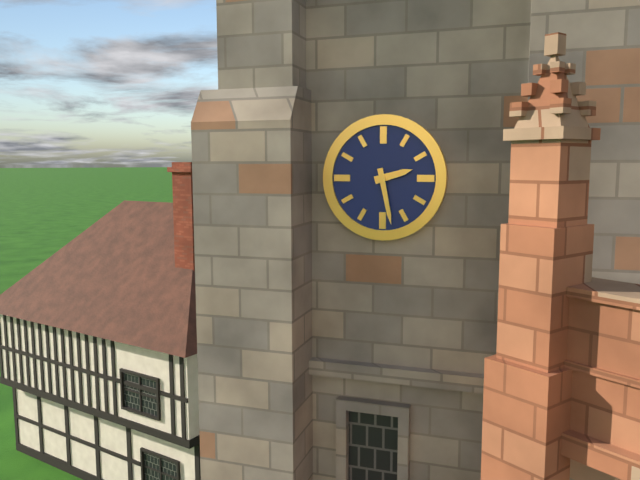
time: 2:28
